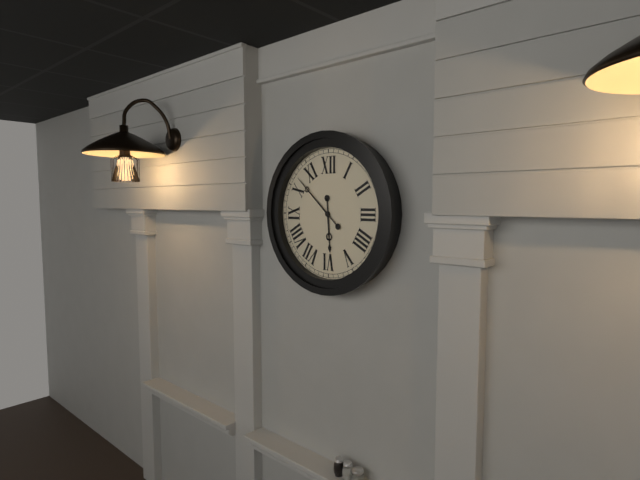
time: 5:52
